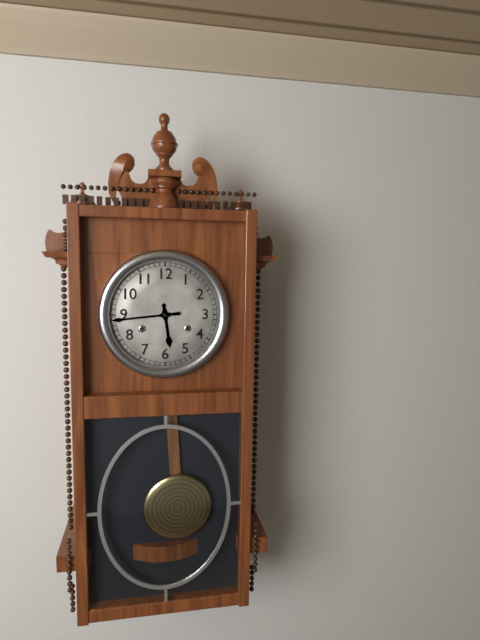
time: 5:44
